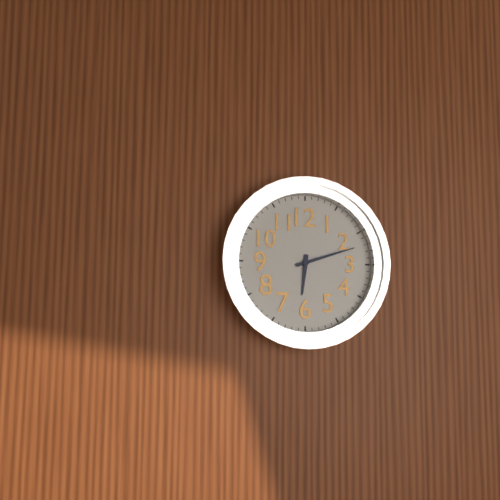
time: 6:12
